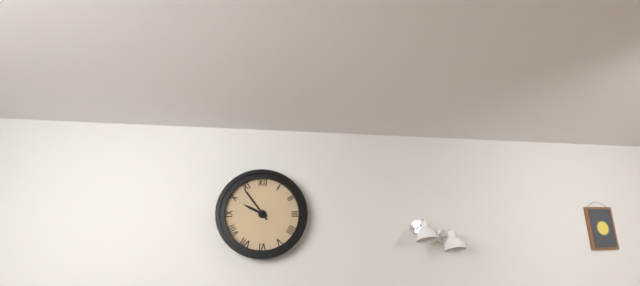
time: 9:54
